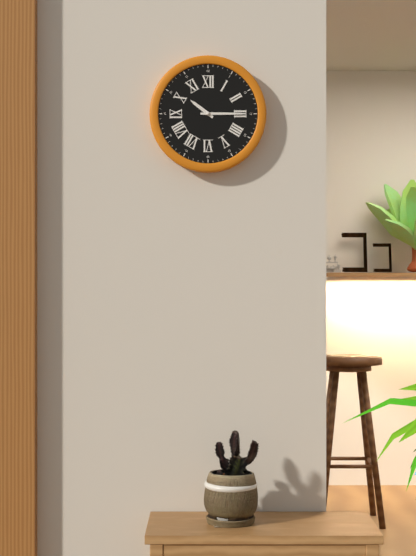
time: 10:15
